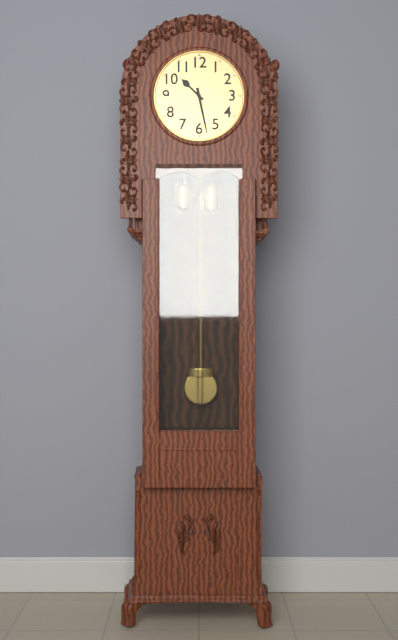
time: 10:28
